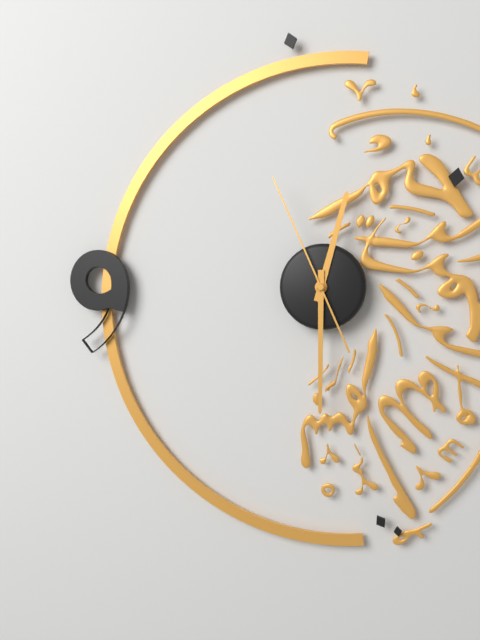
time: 12:30:56
